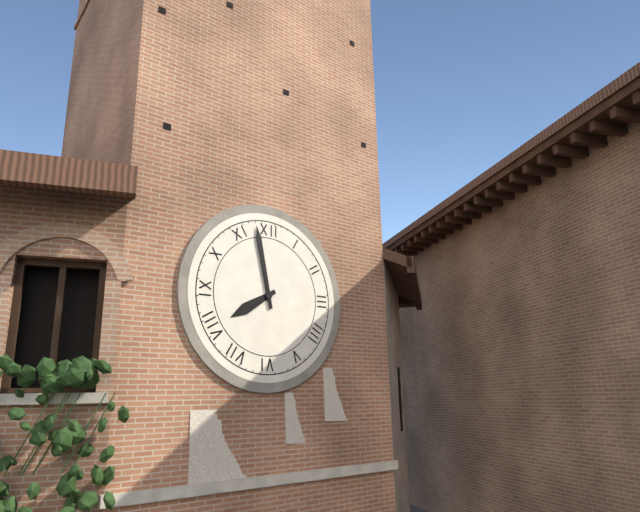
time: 7:58
